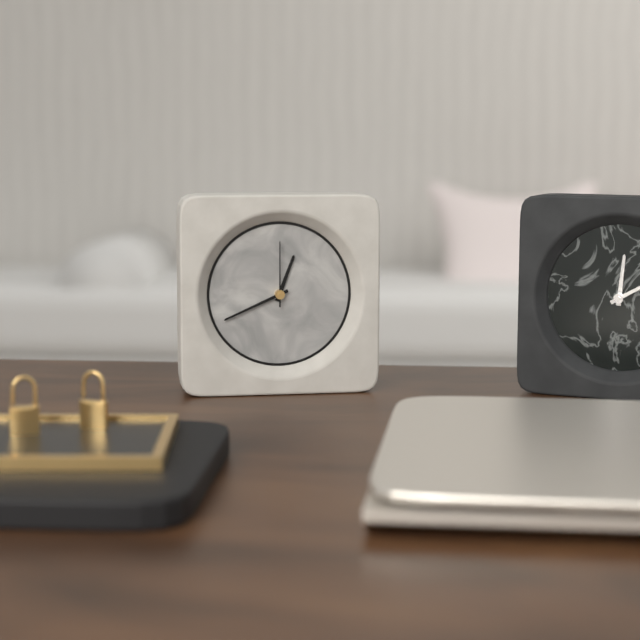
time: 12:41:00
